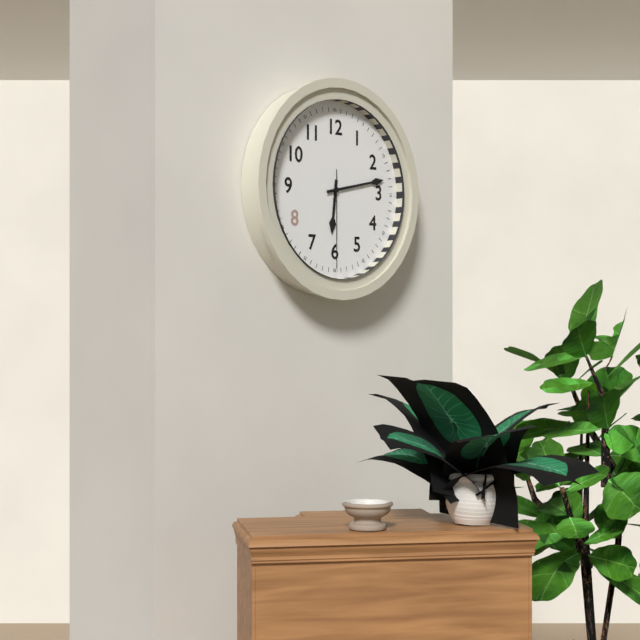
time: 6:13:30
